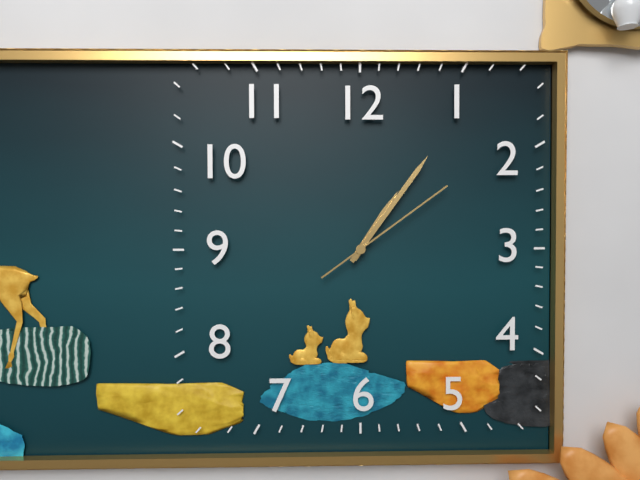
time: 1:06:09
